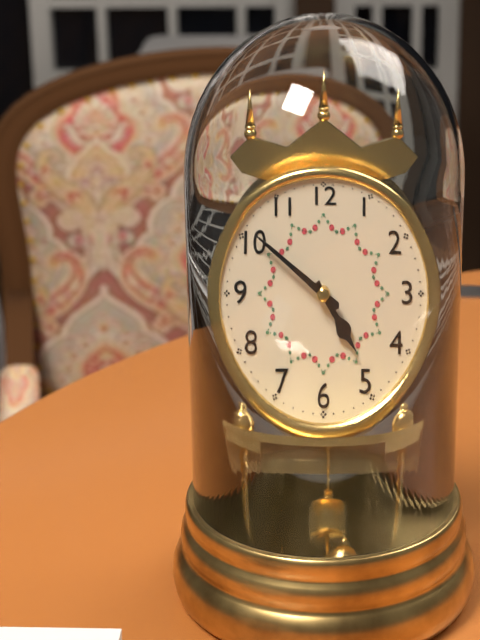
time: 4:51
